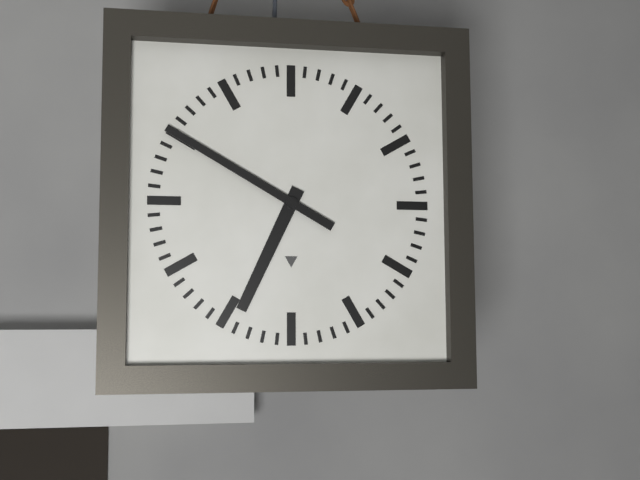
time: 6:50
